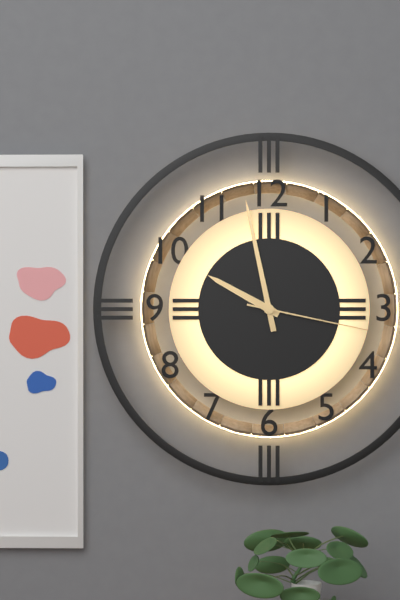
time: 9:58:17
